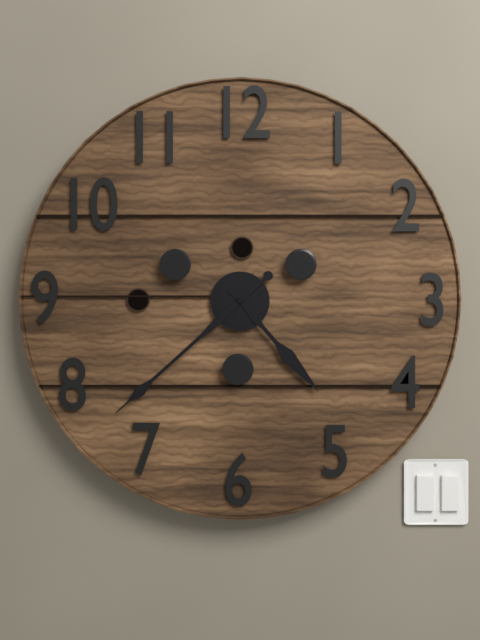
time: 4:38
